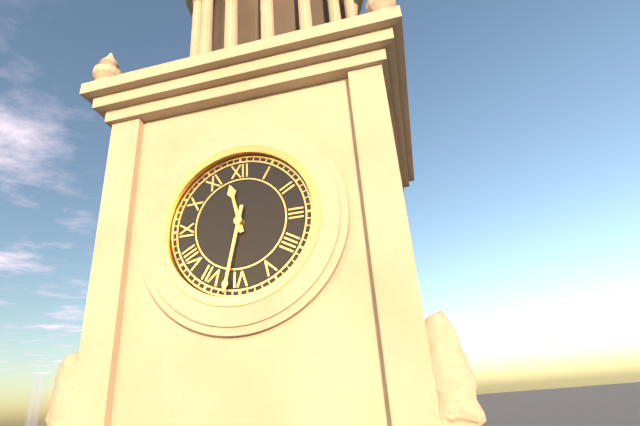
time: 11:32
